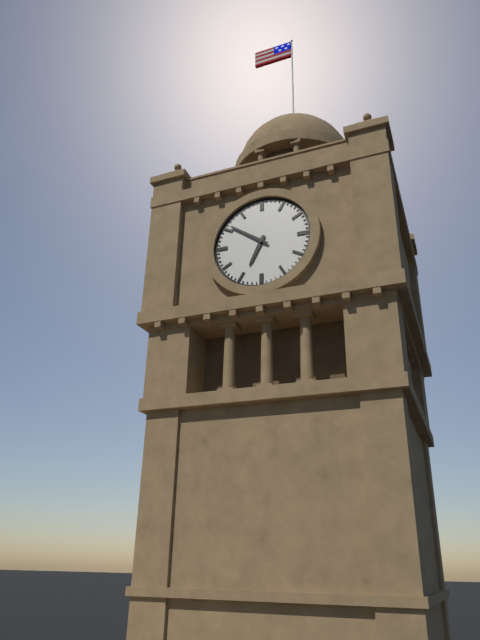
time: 6:51
